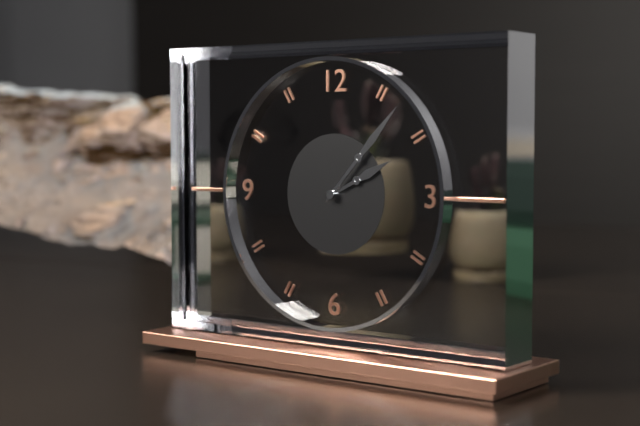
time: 2:07
